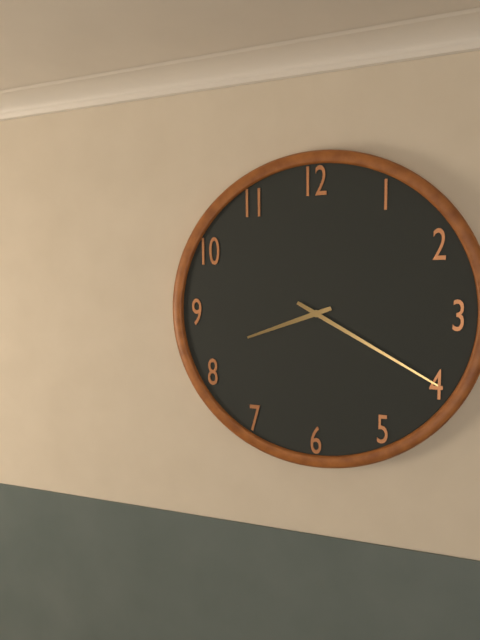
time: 8:20
